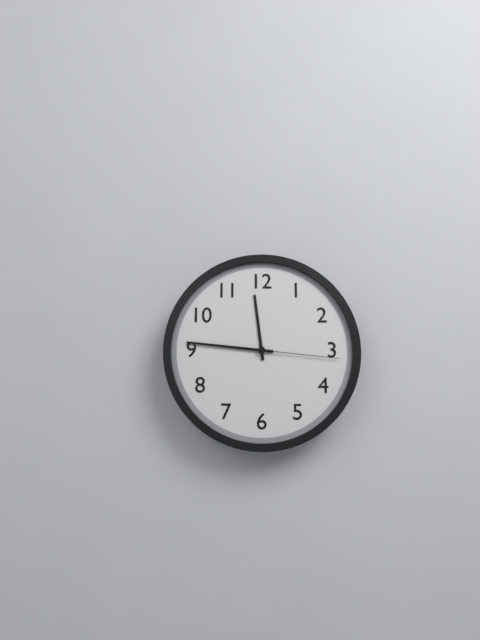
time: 11:46:16
